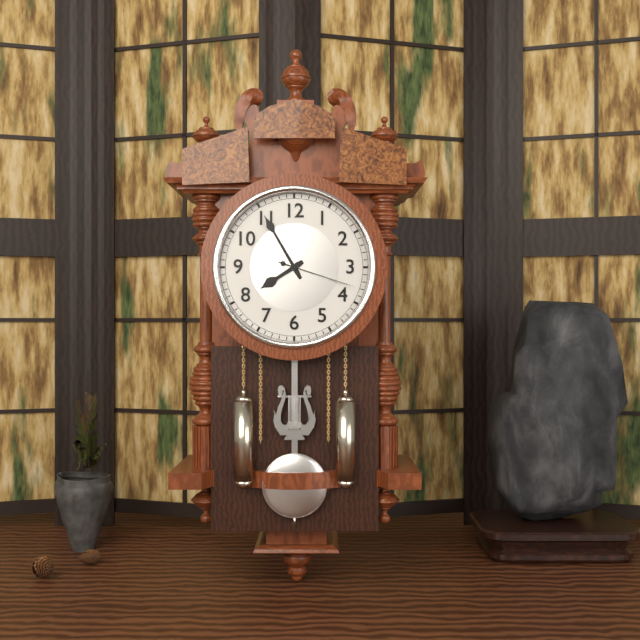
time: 7:55:18
